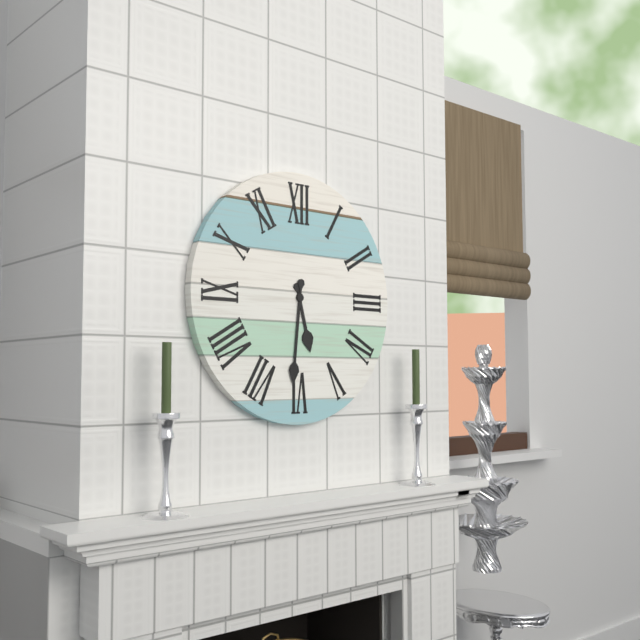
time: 5:31
